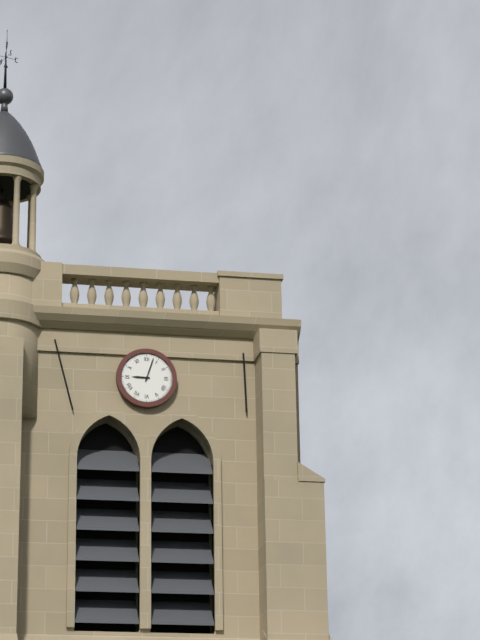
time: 9:03
